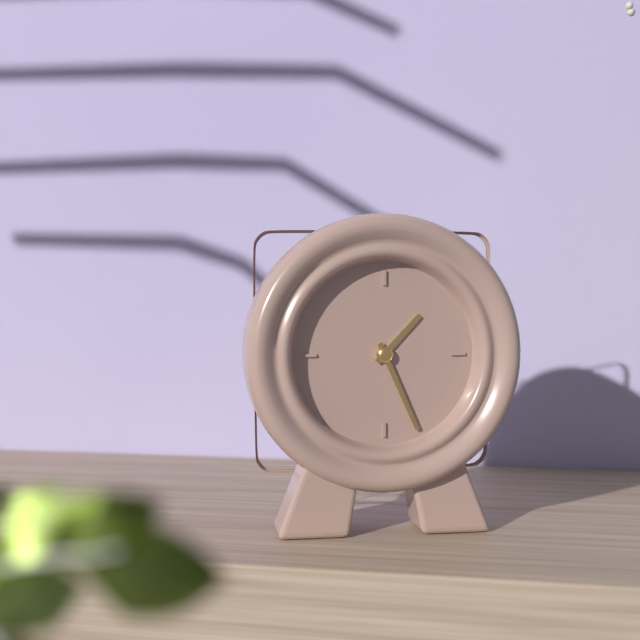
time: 1:26
